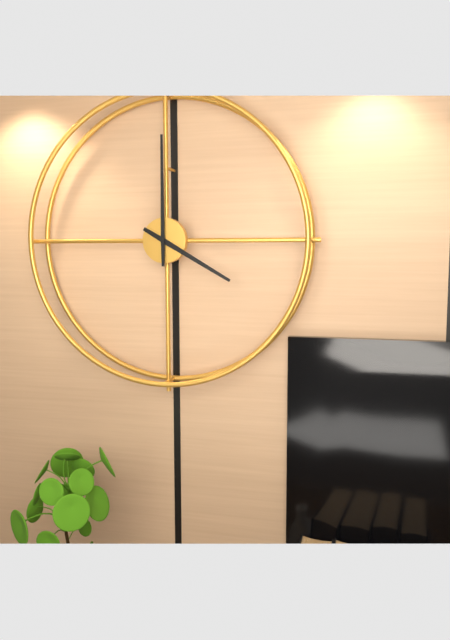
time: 4:00
